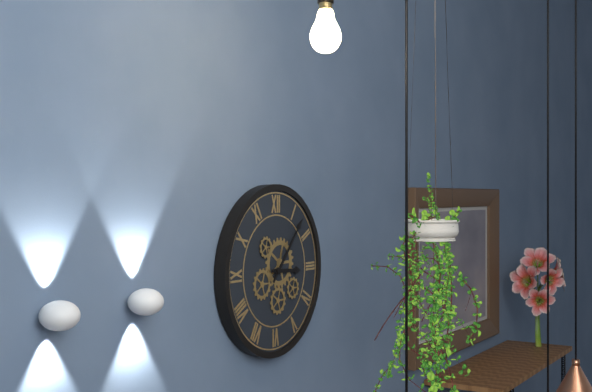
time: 3:07
